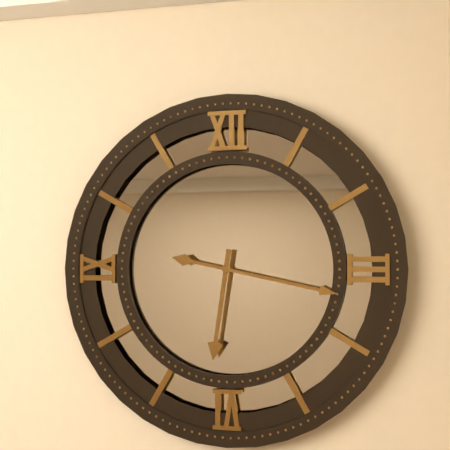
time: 6:17
